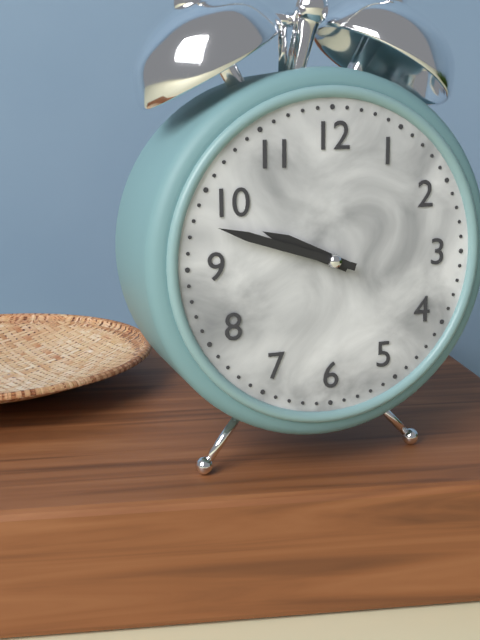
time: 9:48
